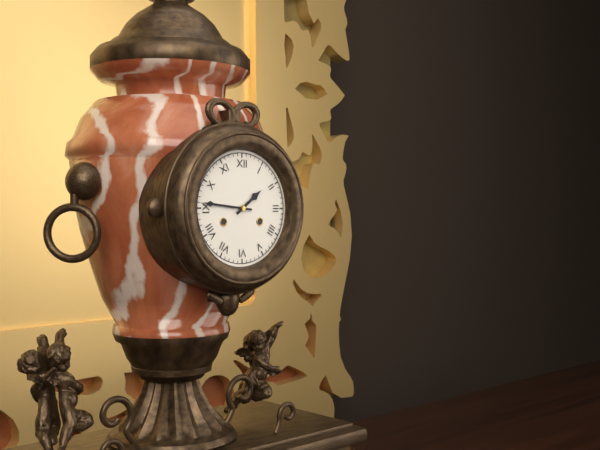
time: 1:46
